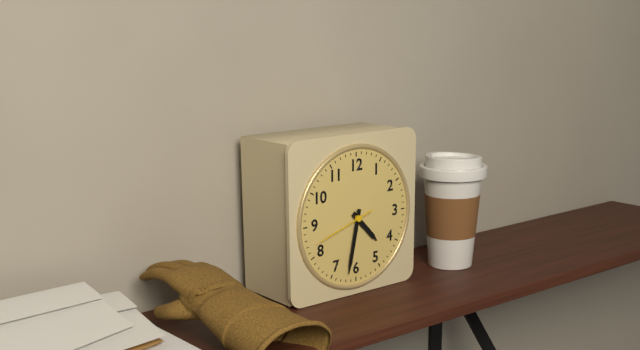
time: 4:32:42
